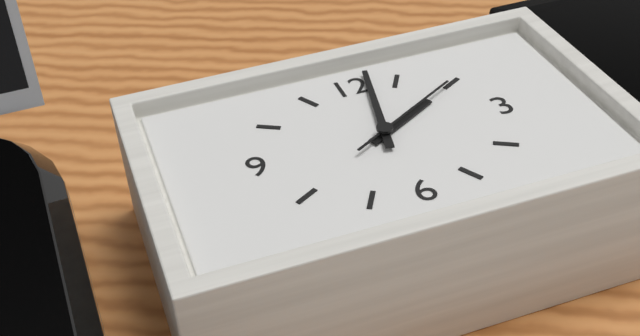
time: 2:02:10
